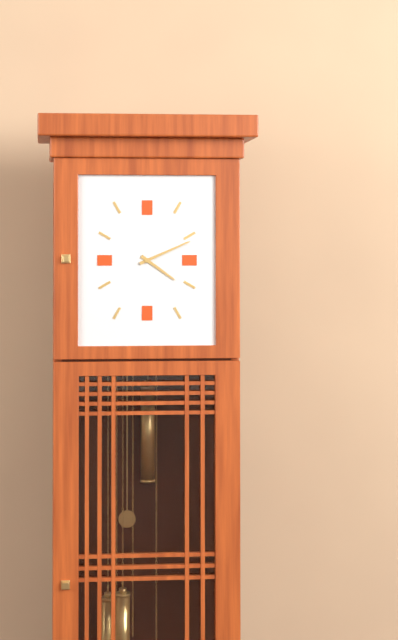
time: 4:11
